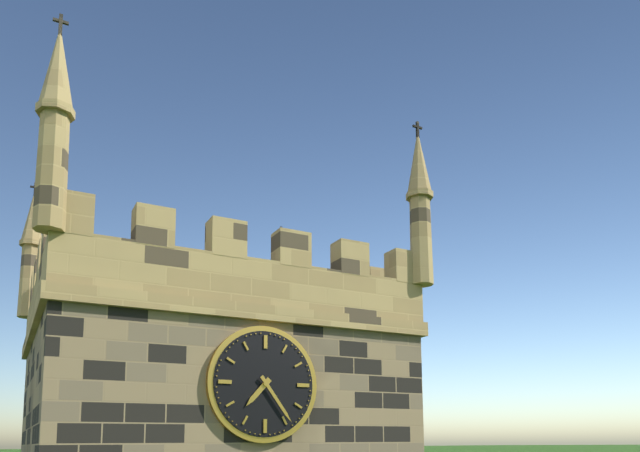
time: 7:24
